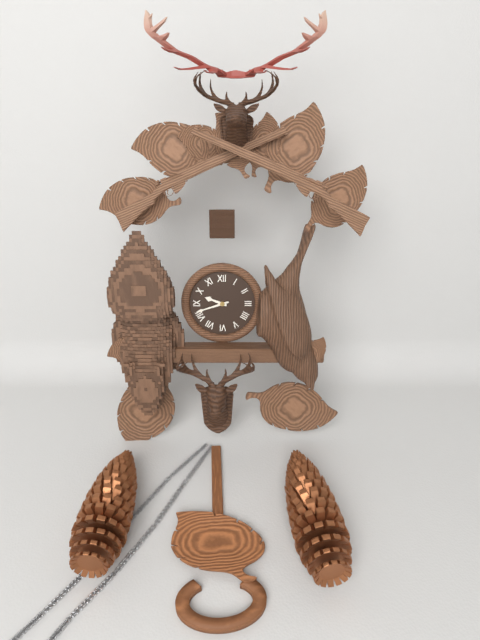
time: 9:42
